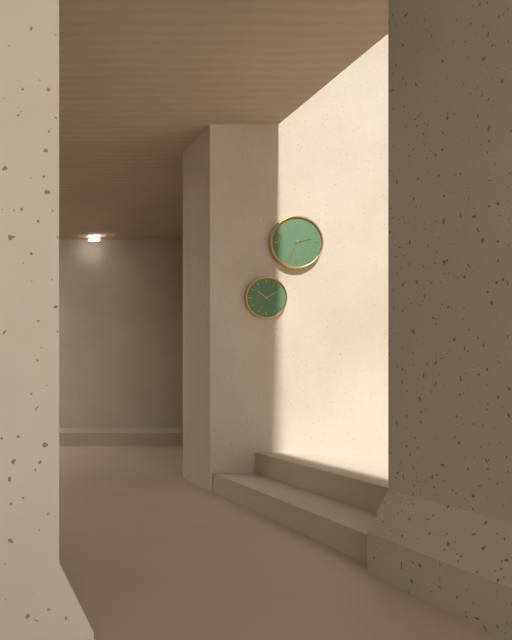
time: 2:34
